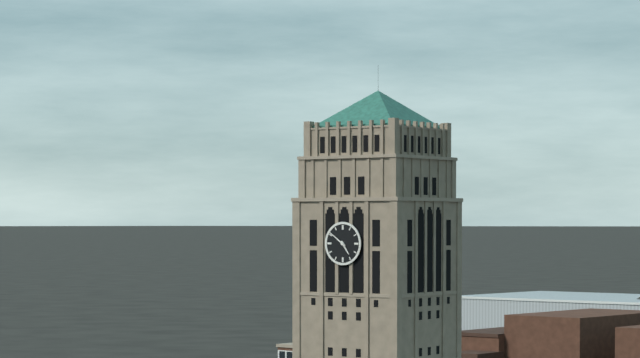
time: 4:51
